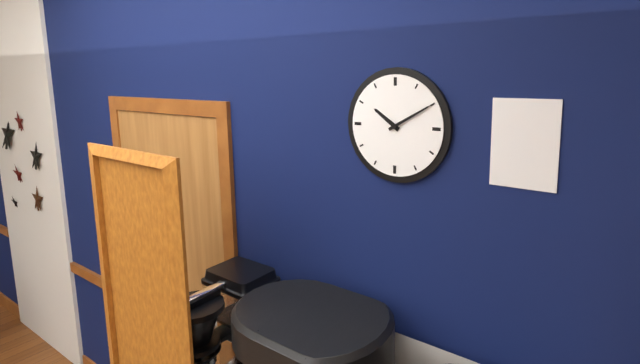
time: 10:10
